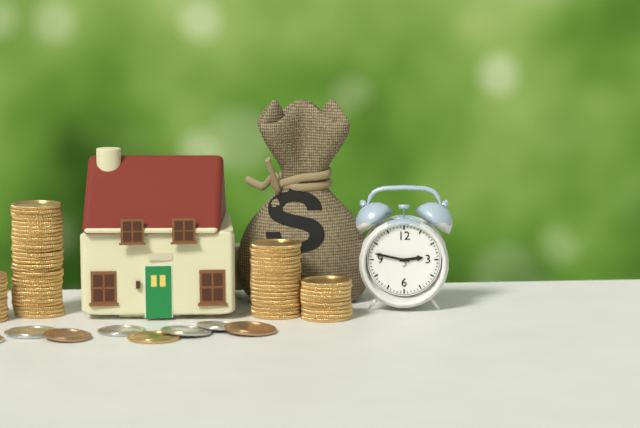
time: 2:47
